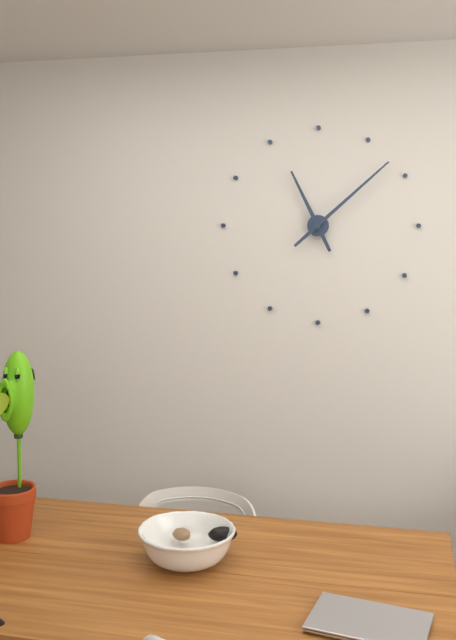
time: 11:08
